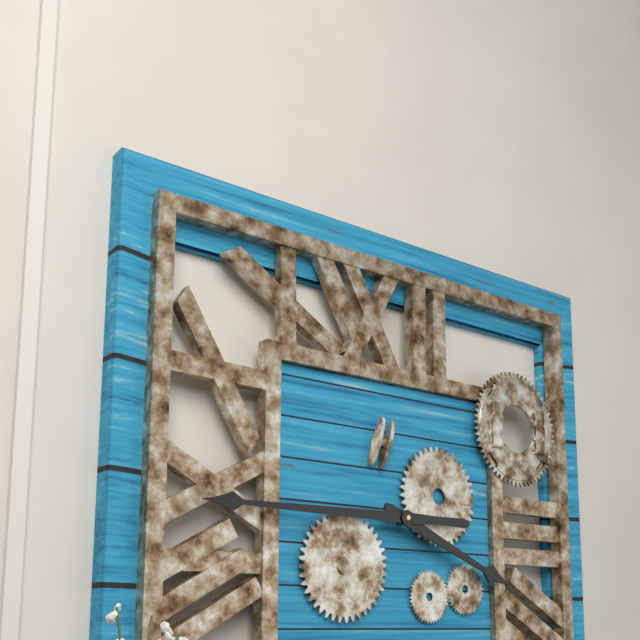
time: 3:45
